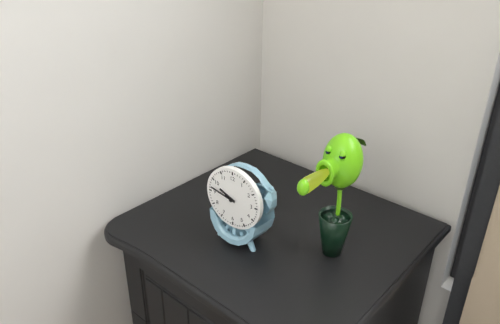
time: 9:47
